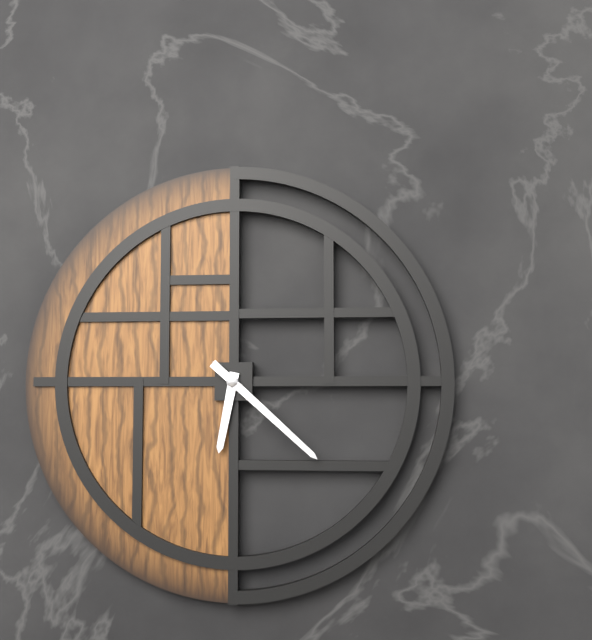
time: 6:22
